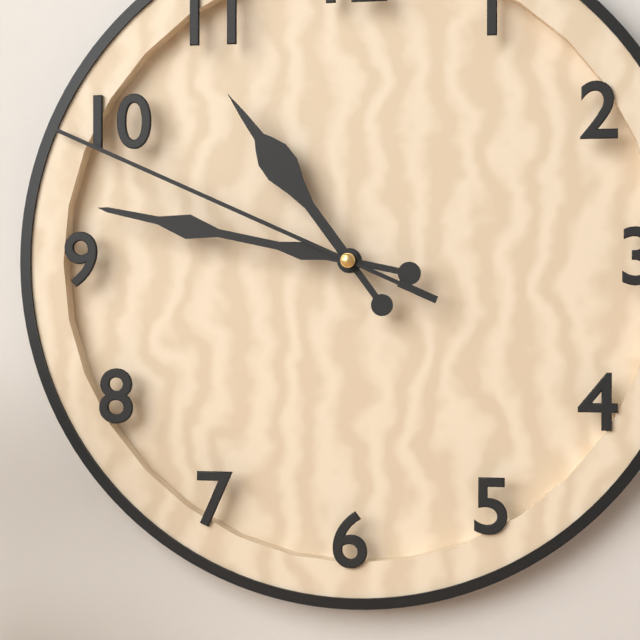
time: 10:47:49
